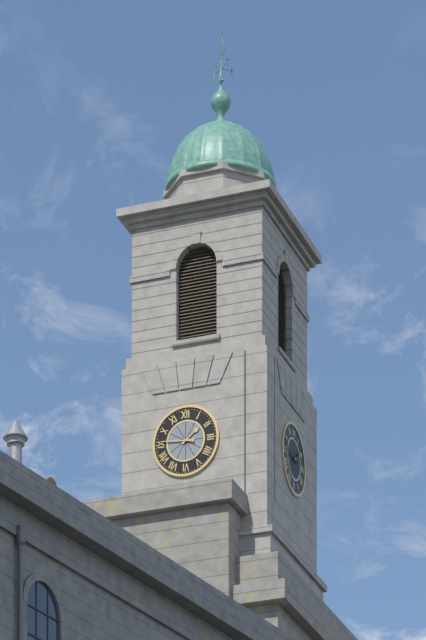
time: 1:46
